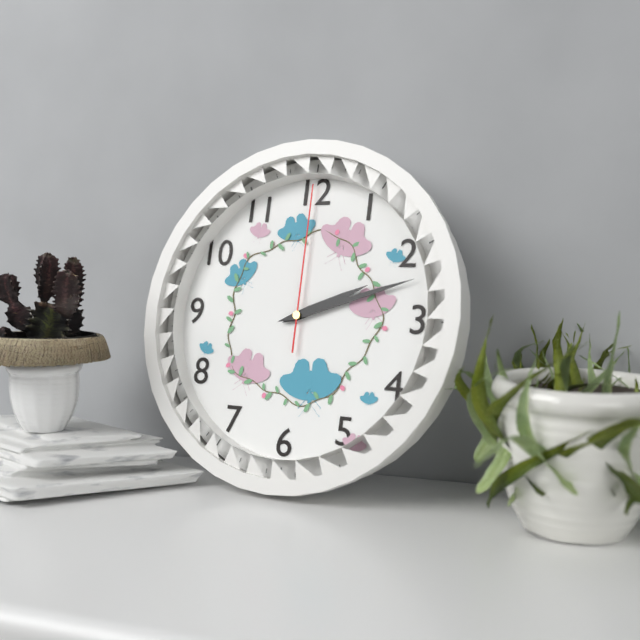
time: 2:12:00
